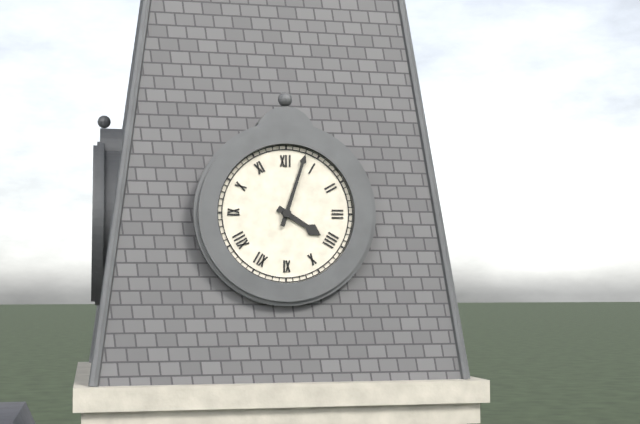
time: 4:03
